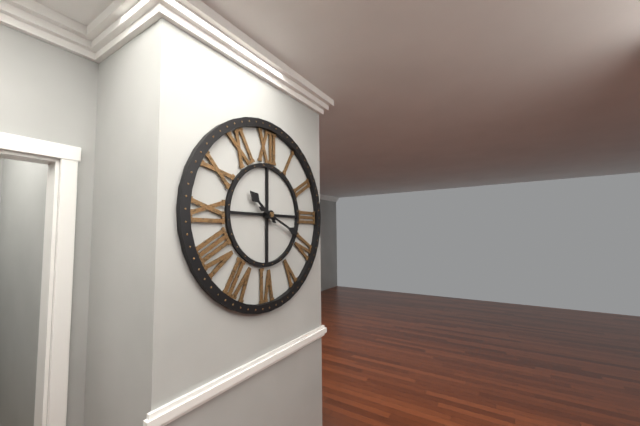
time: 10:19
